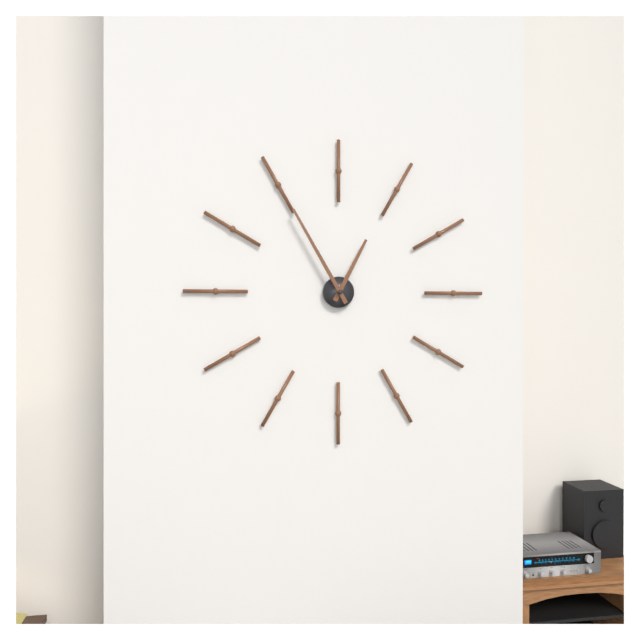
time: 12:55
